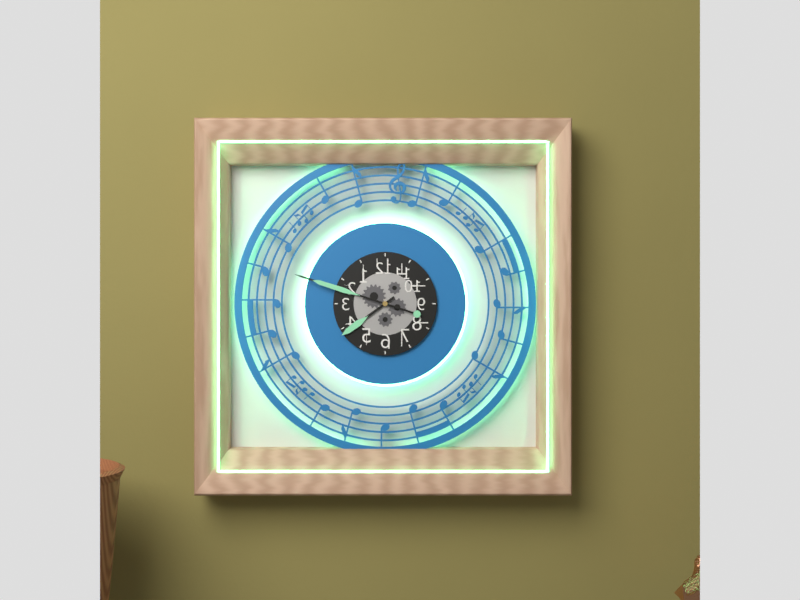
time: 7:48
